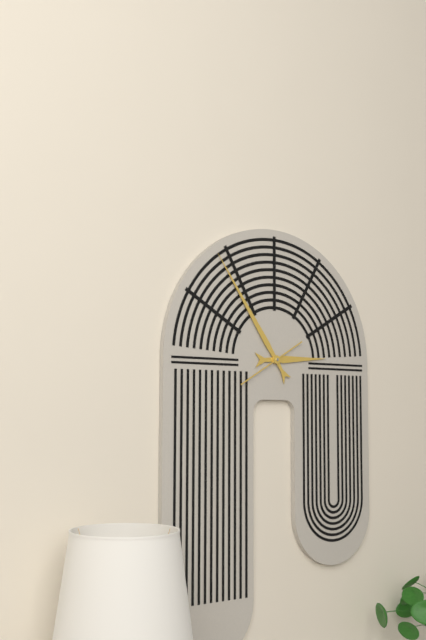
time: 2:54:40
